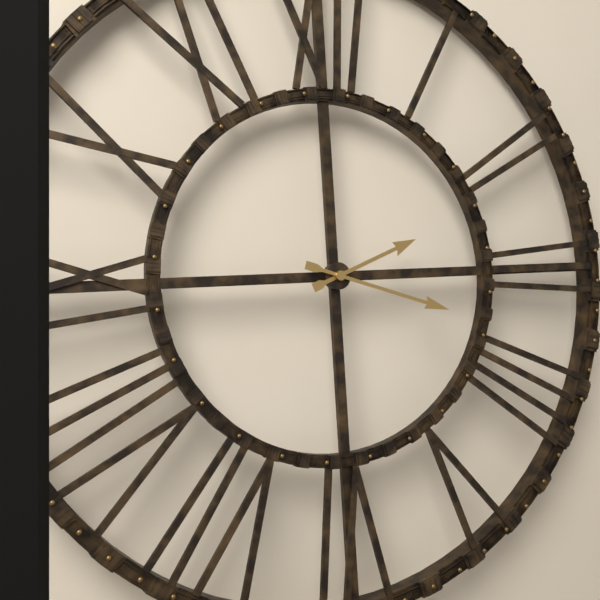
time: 2:18
